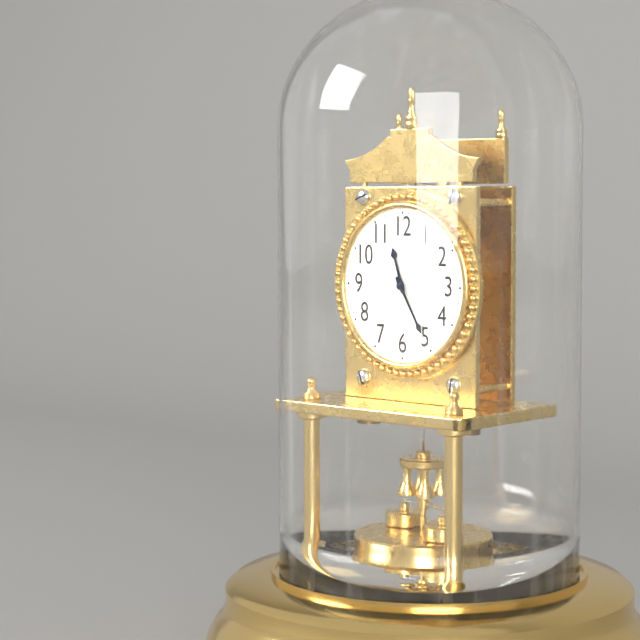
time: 11:25
